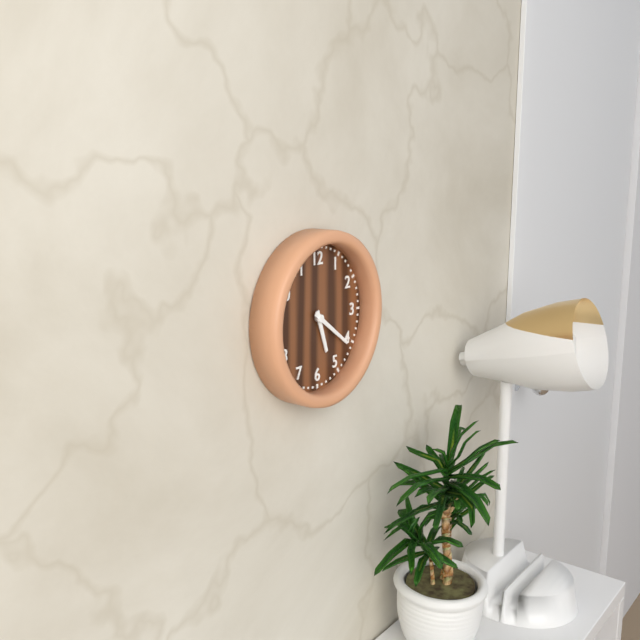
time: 5:21
